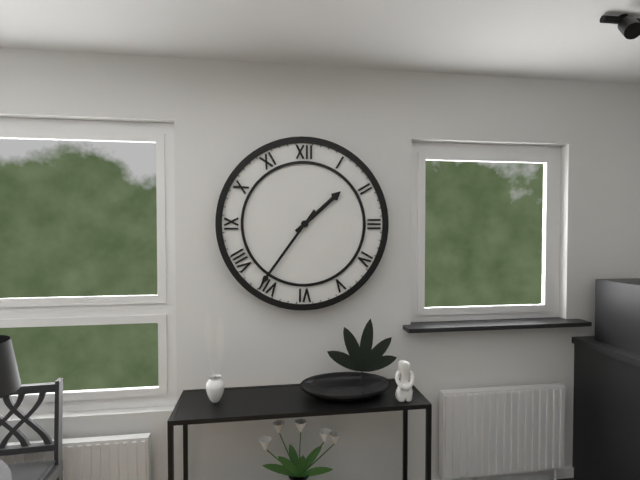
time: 1:36
